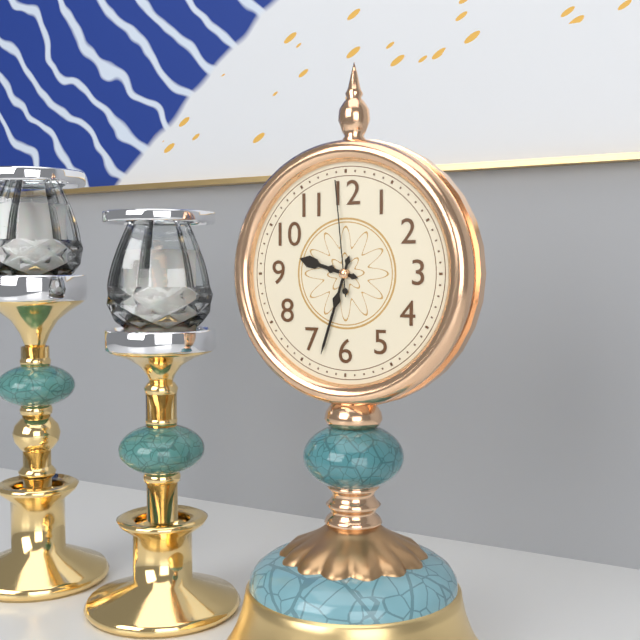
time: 9:33:59
